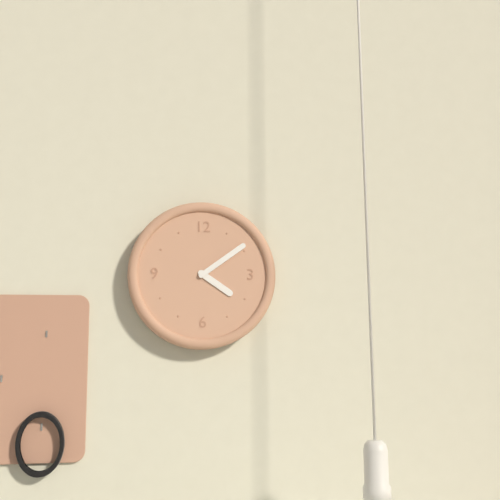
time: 4:09
